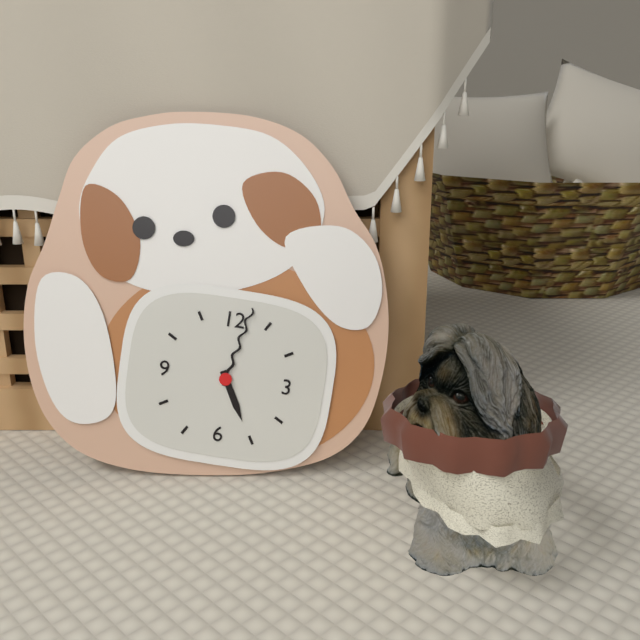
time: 5:02
